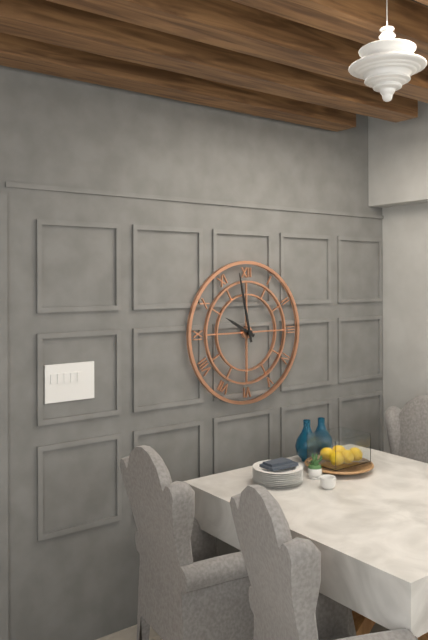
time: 9:58
